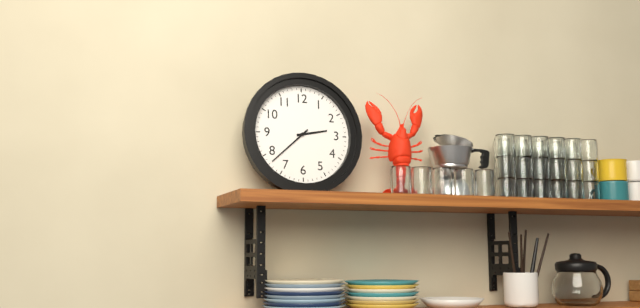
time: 2:38
